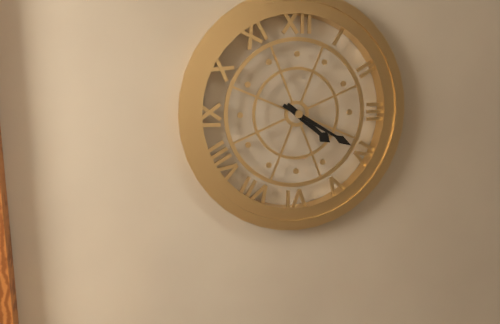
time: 4:20
